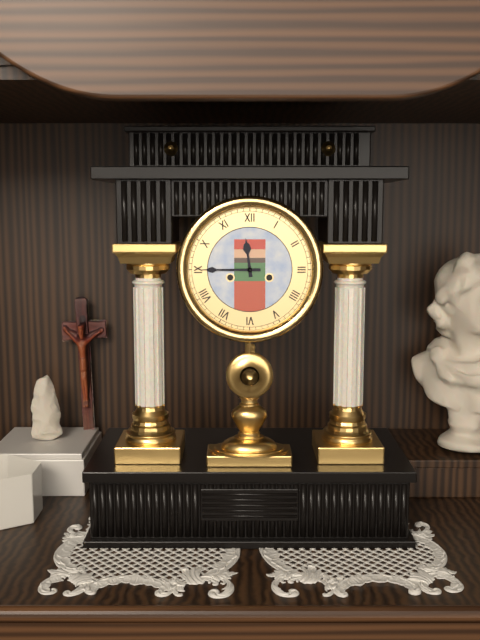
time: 11:45
